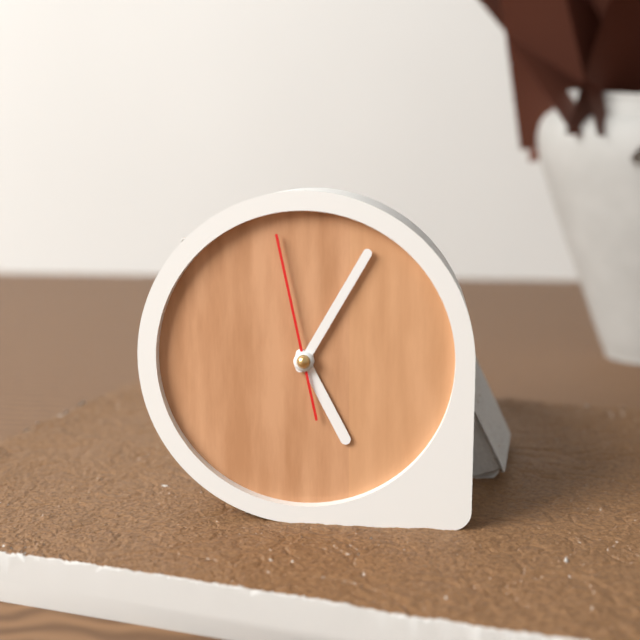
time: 5:05:58
